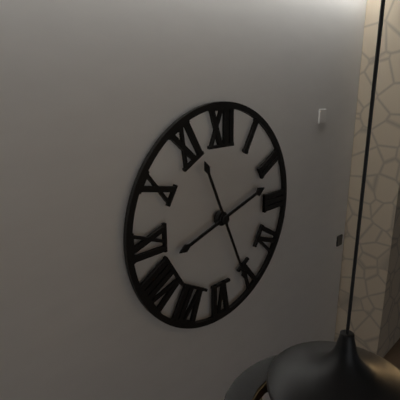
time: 2:26
